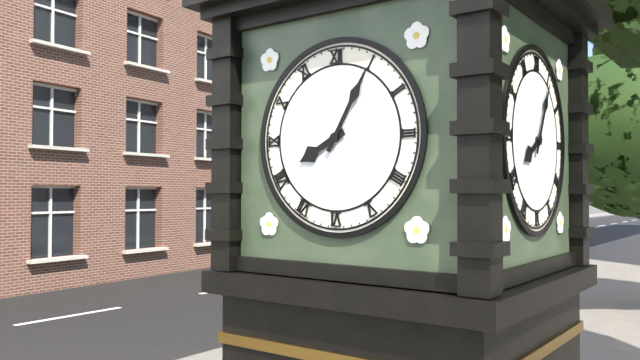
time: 8:05
